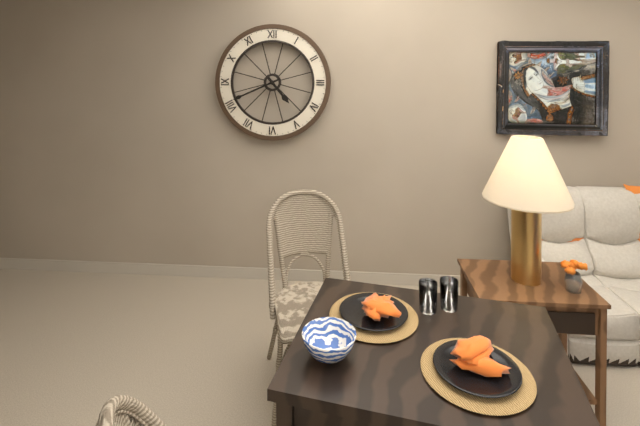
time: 4:41
